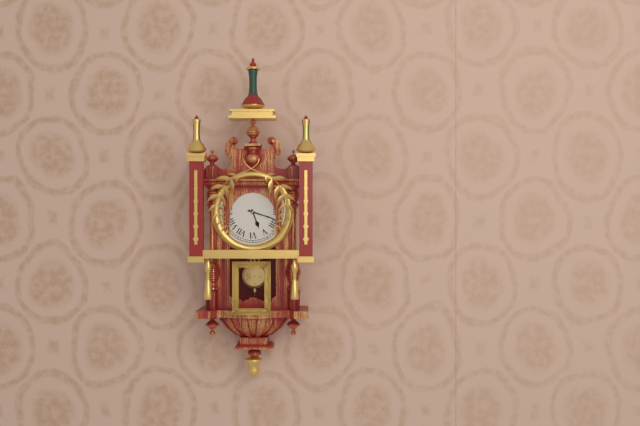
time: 5:18
